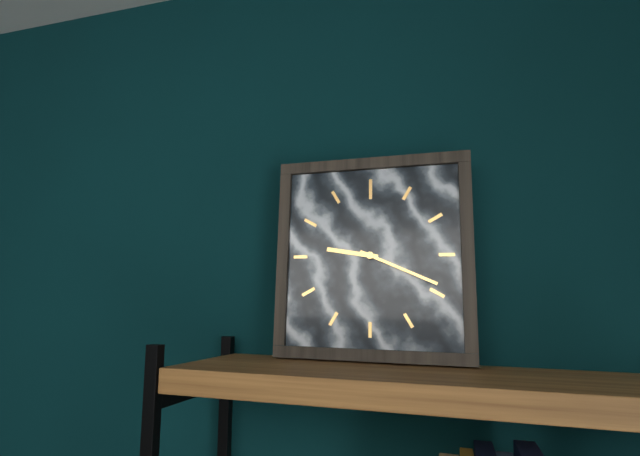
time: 9:19
